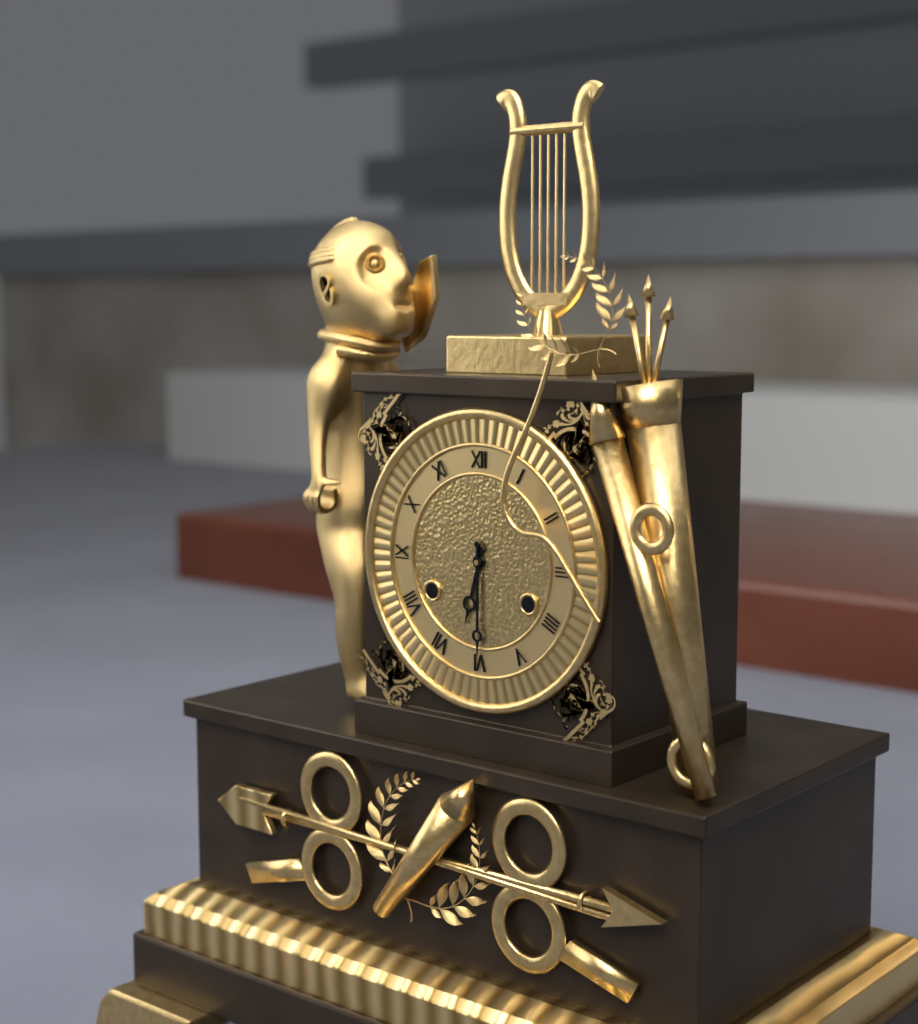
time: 6:30
